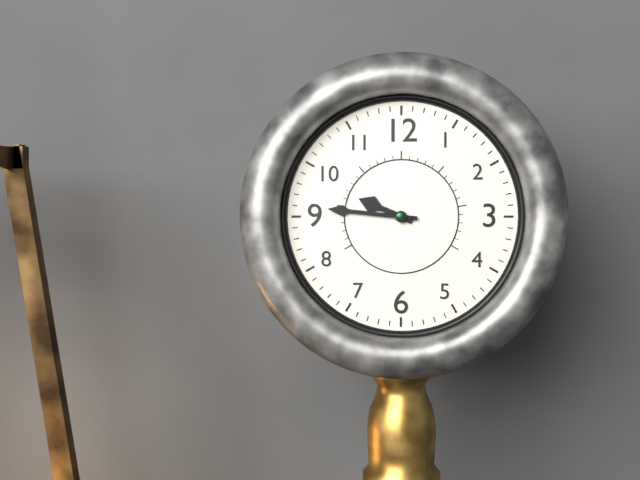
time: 9:46
